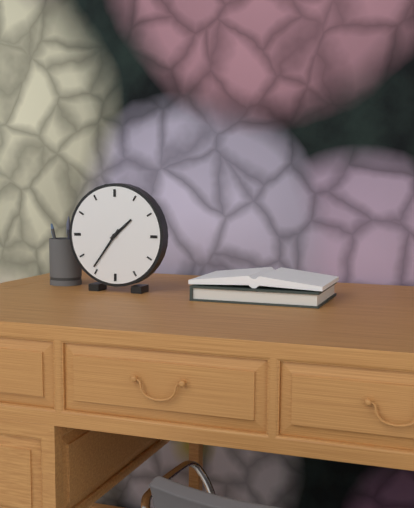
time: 1:36
